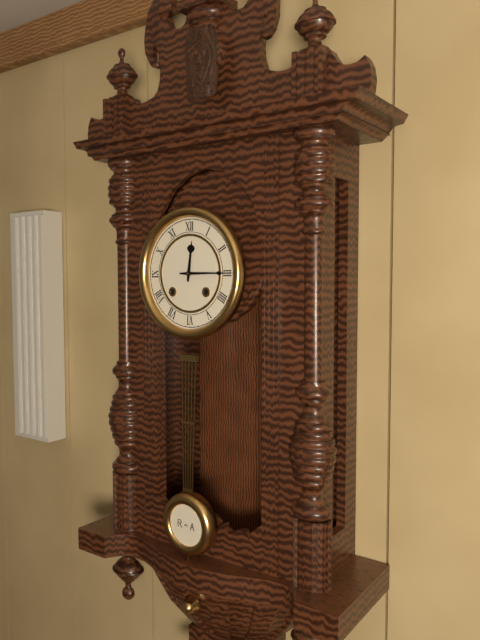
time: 12:15
